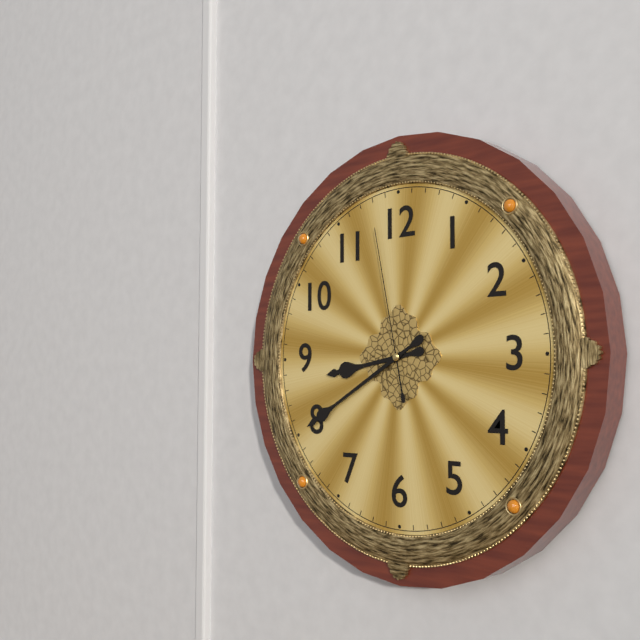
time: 8:40:58
